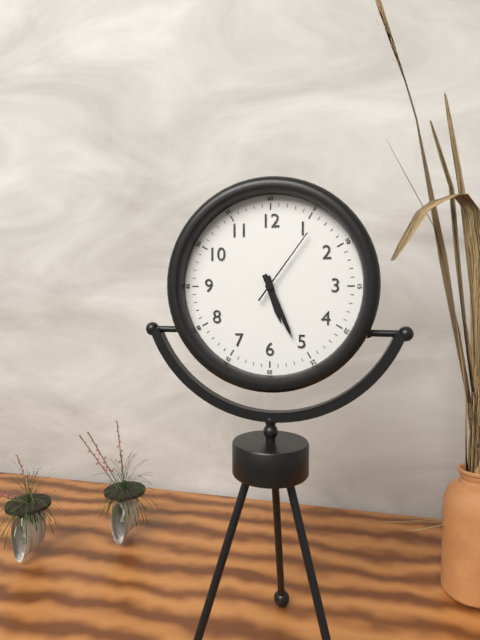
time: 5:26:06
